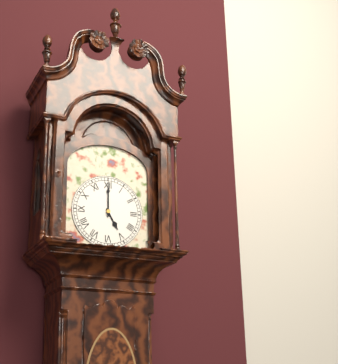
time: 5:00
